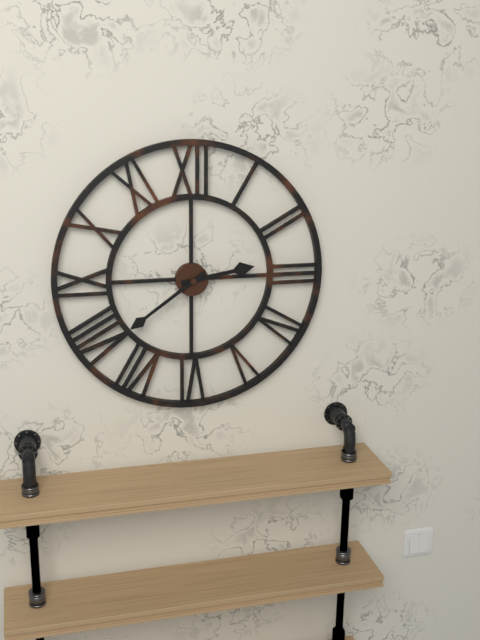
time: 2:39
